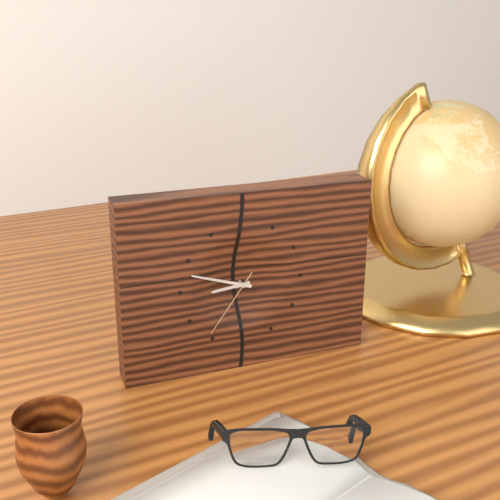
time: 8:48:36
